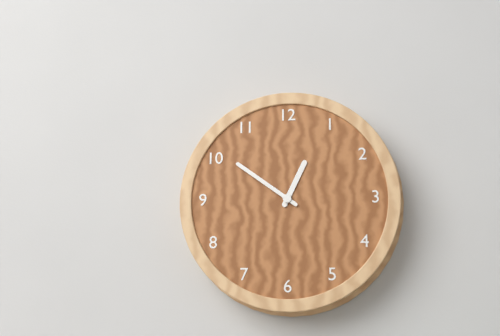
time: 12:51
